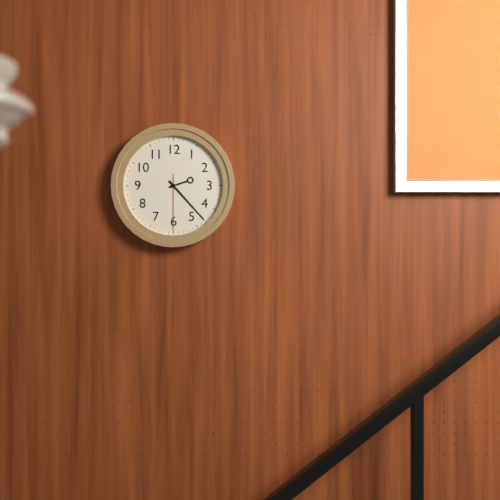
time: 2:23:30
